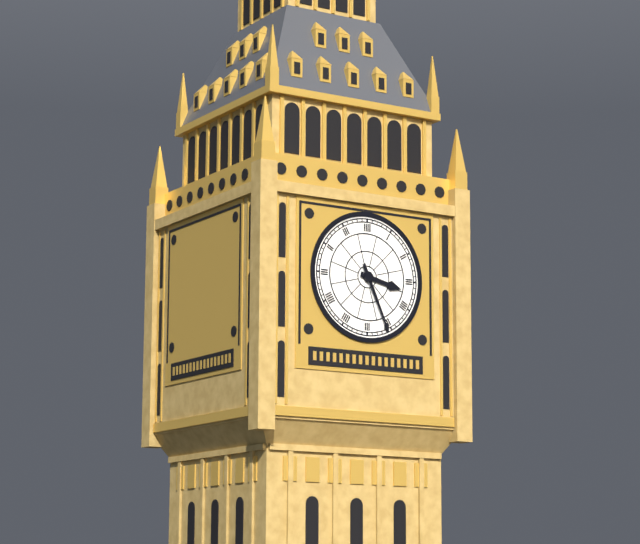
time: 3:26
